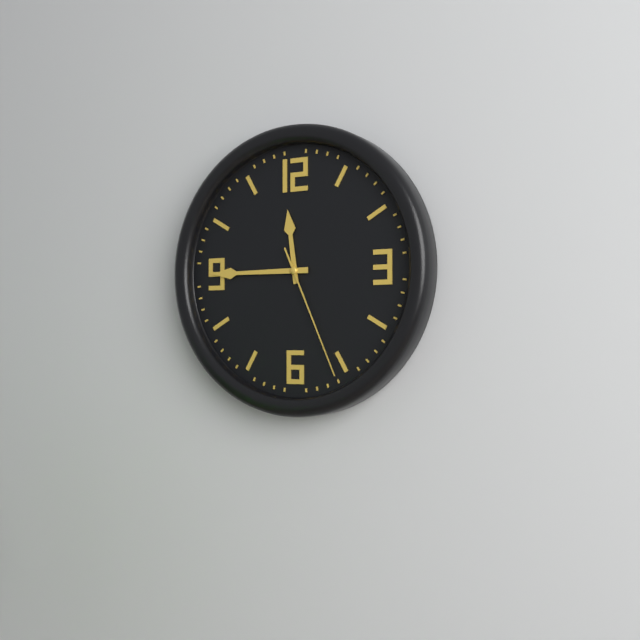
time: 11:45:26
